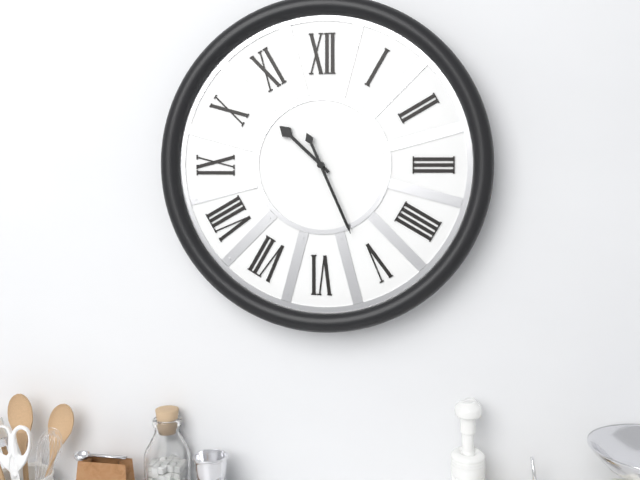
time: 10:26
